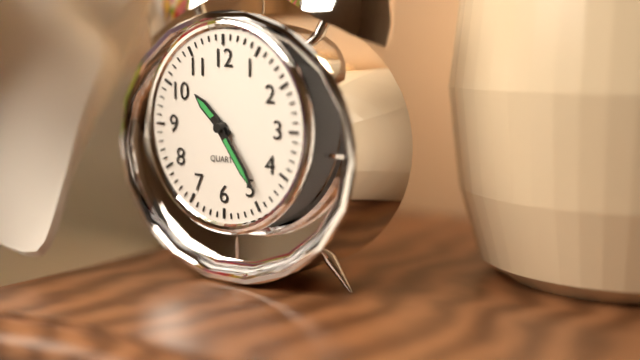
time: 10:24
